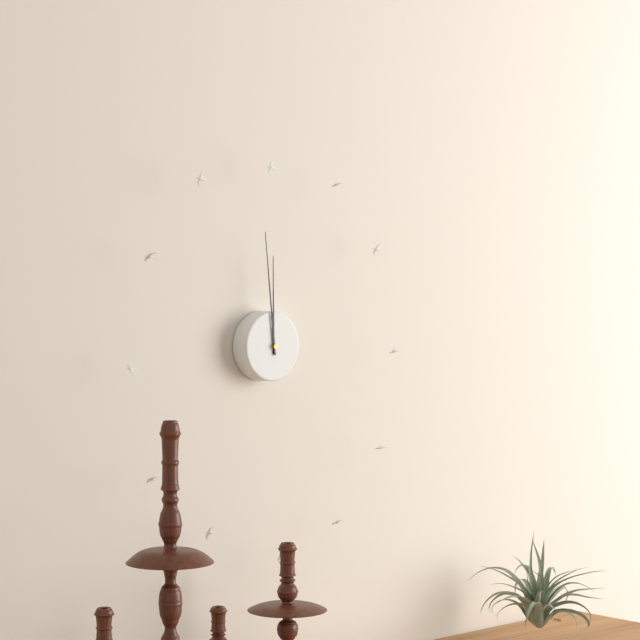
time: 11:59
